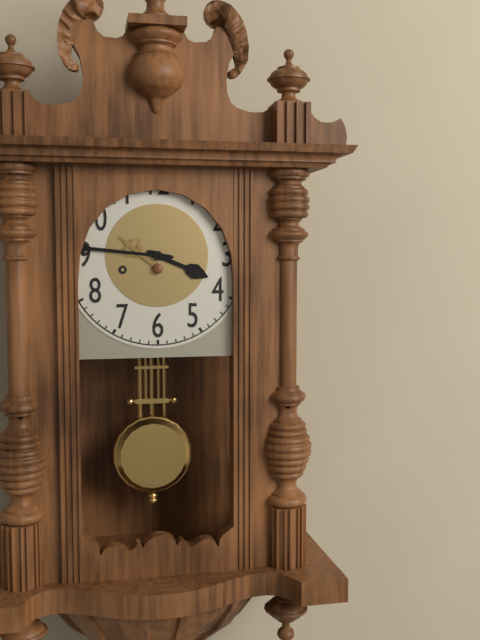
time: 3:46
